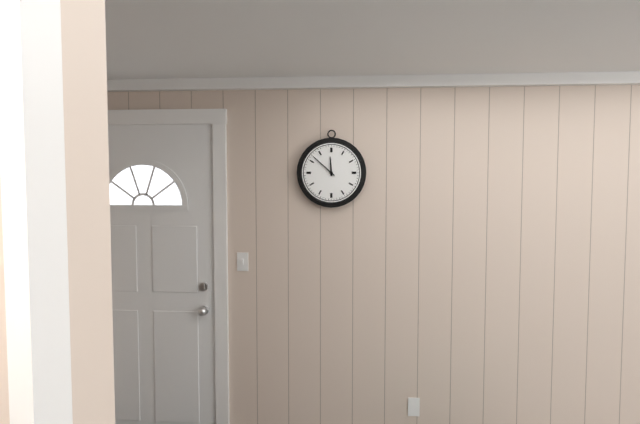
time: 11:52
